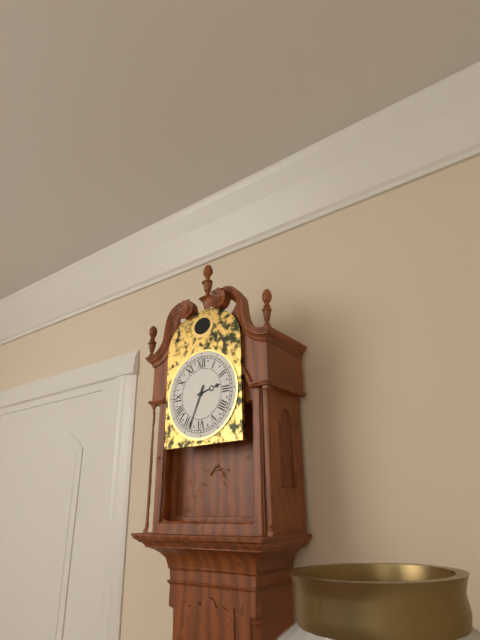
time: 2:34
